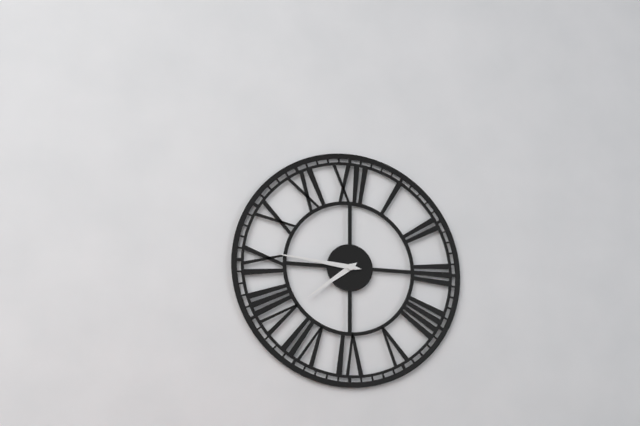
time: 7:46
